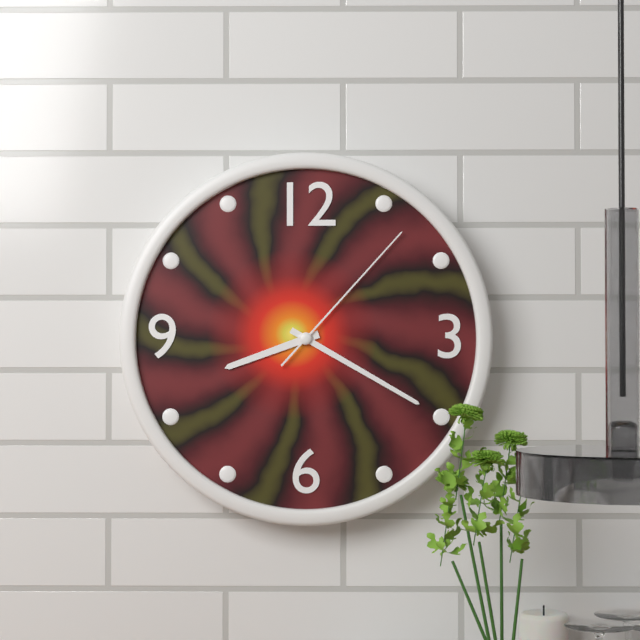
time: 8:20:07
